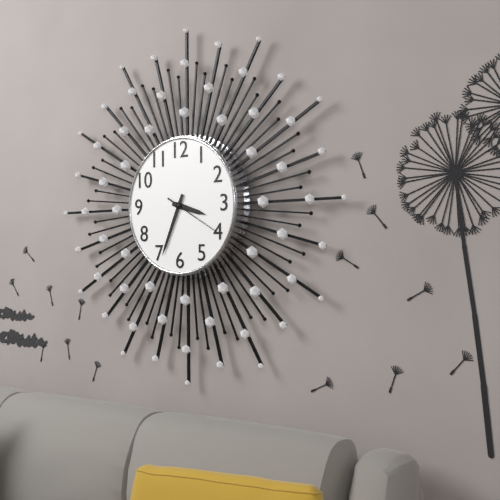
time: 3:34:20
